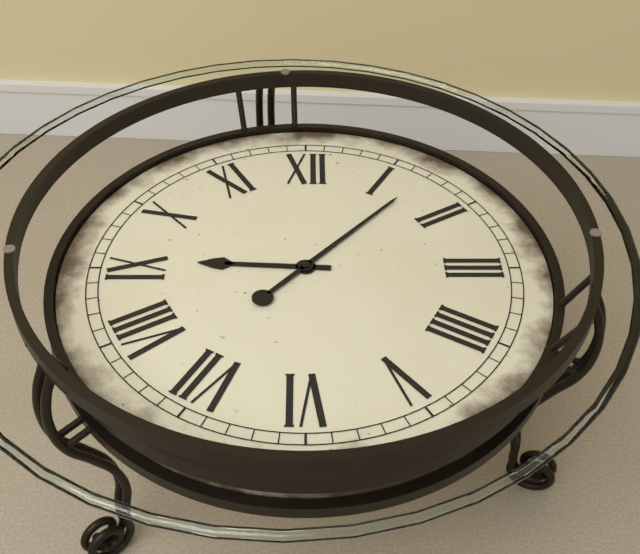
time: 9:07
